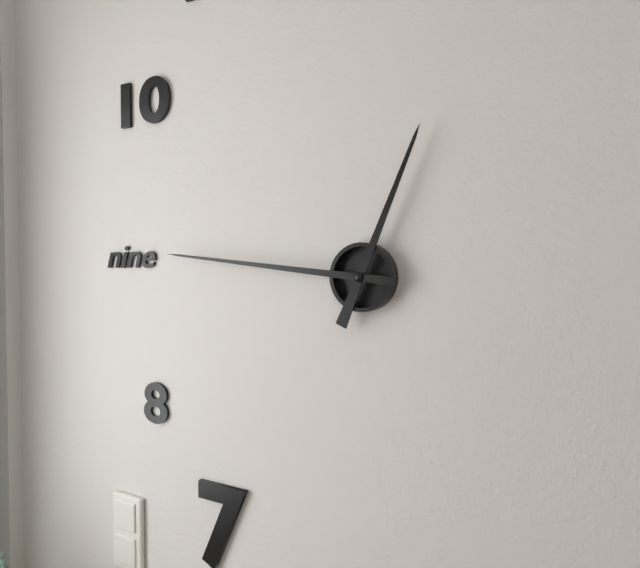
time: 12:46
